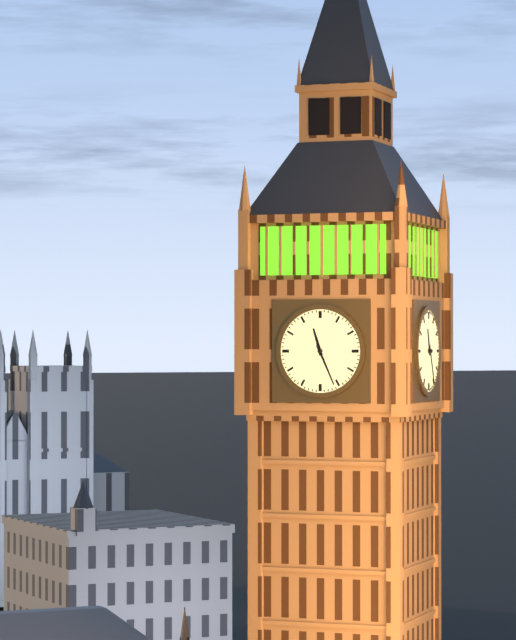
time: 11:26
